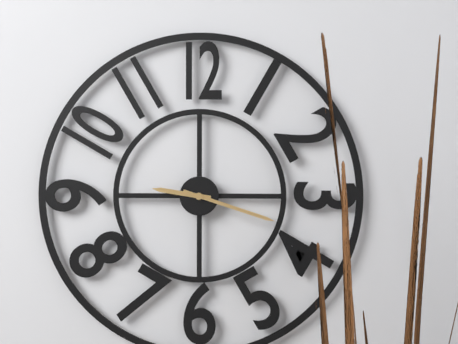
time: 9:18
